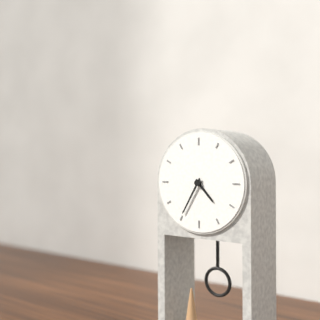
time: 4:35
